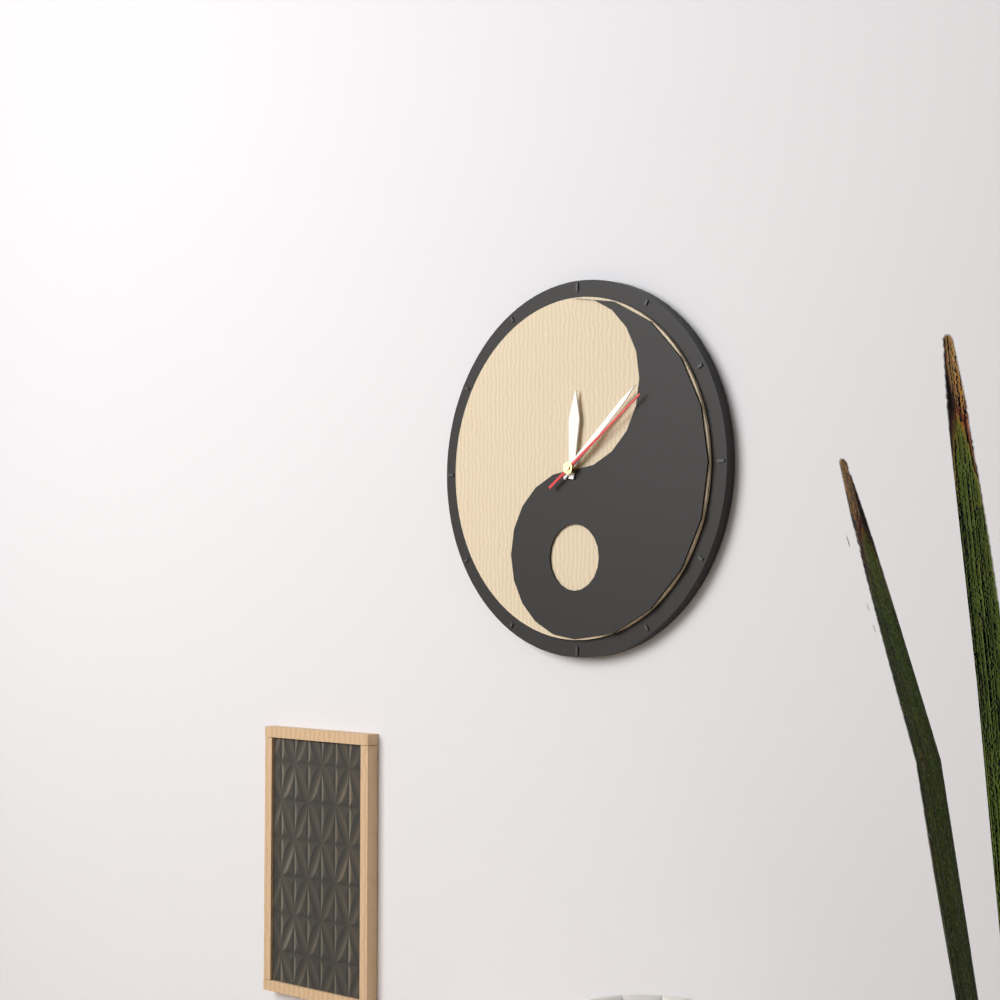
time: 12:08:09
